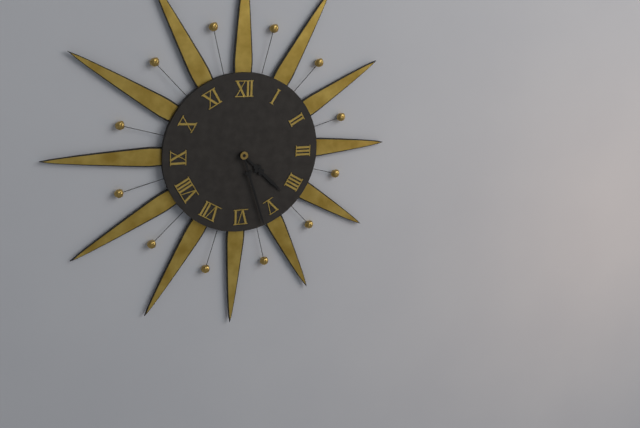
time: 4:27
